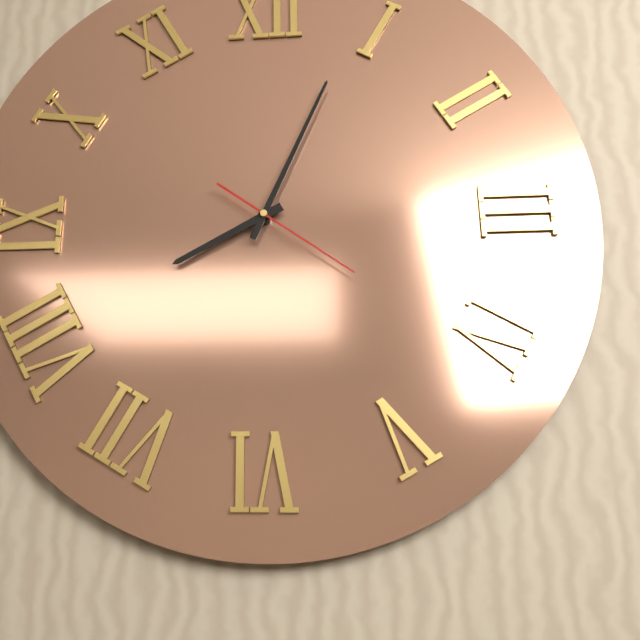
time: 8:04:21
